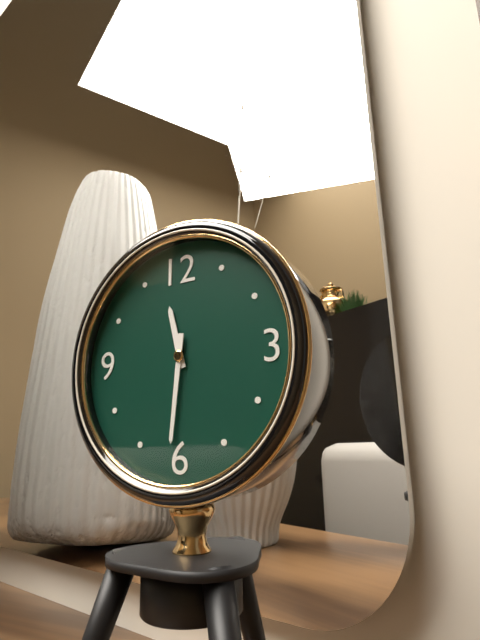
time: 11:31
